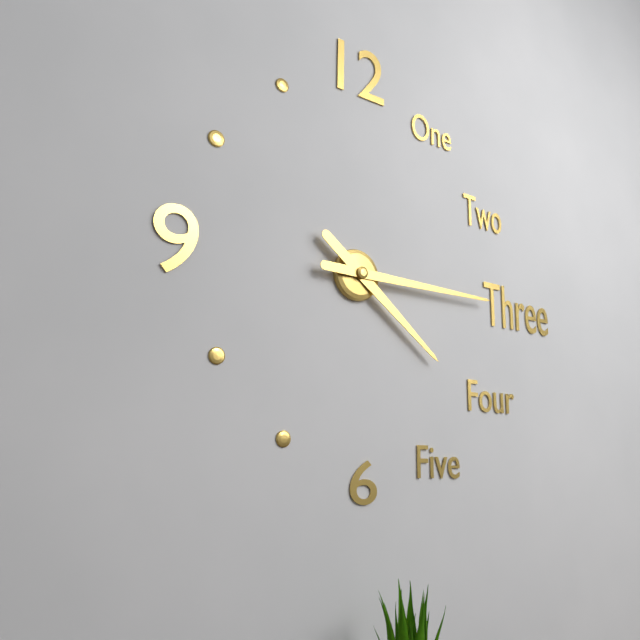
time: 4:15
